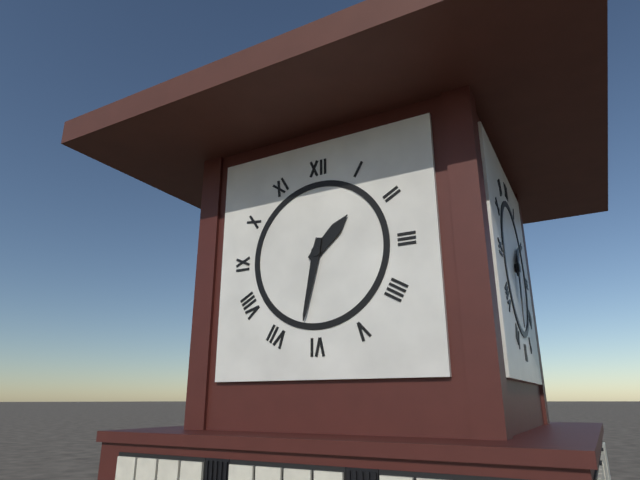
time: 1:32
